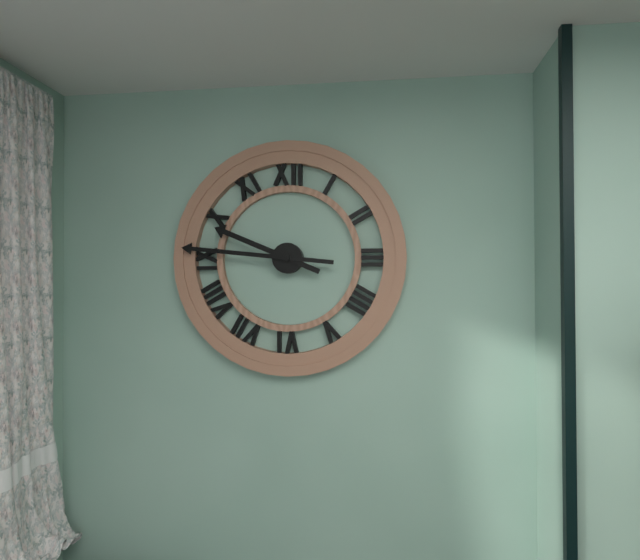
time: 9:46
